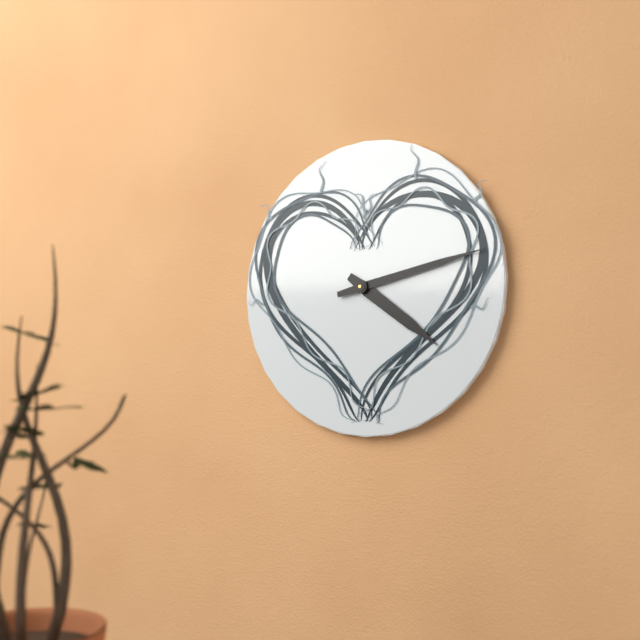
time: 4:13
